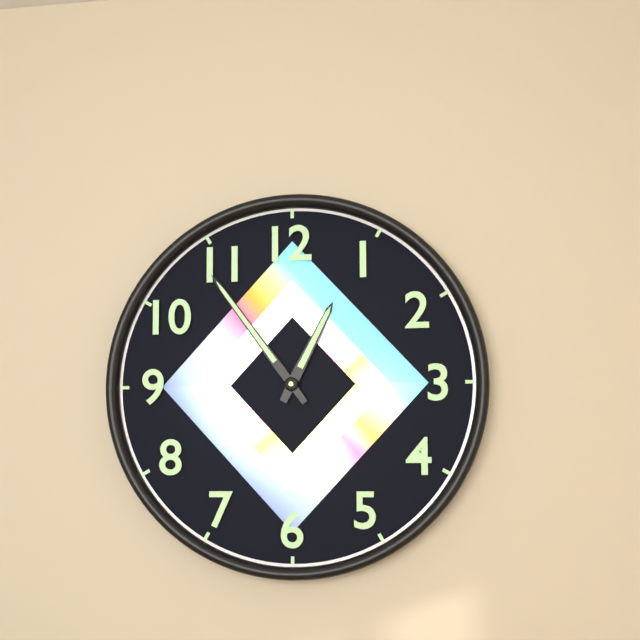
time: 12:54
